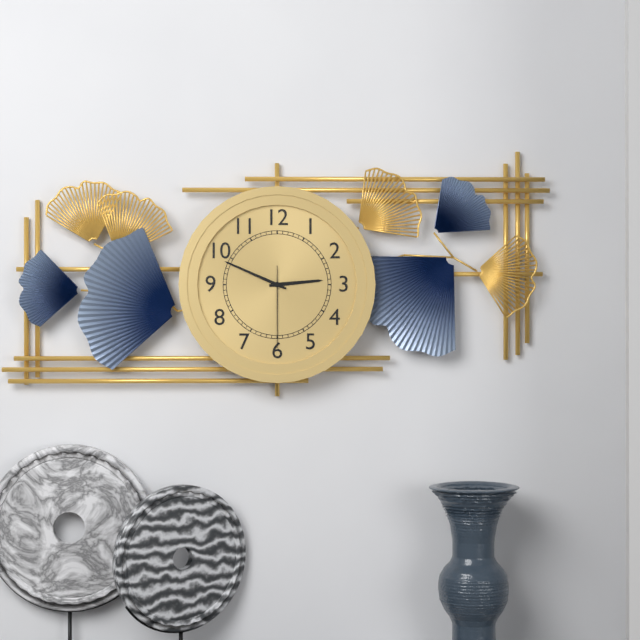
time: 2:49:30
